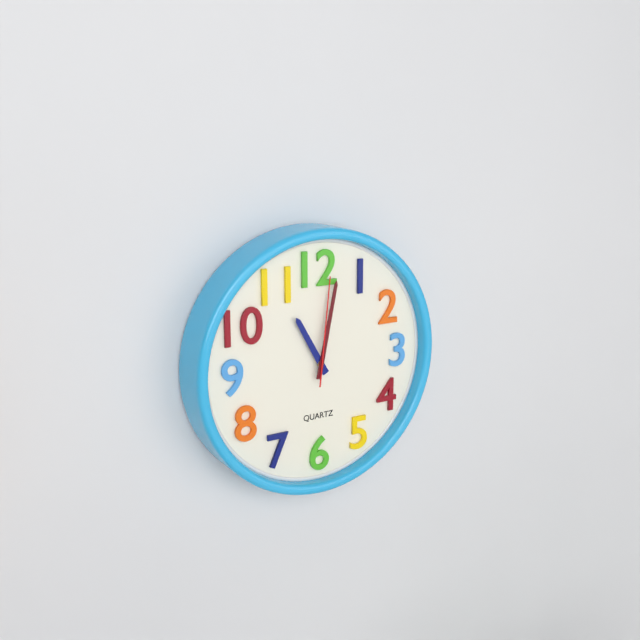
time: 11:02:01
